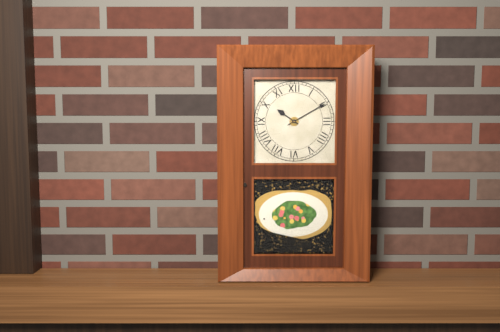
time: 10:10
